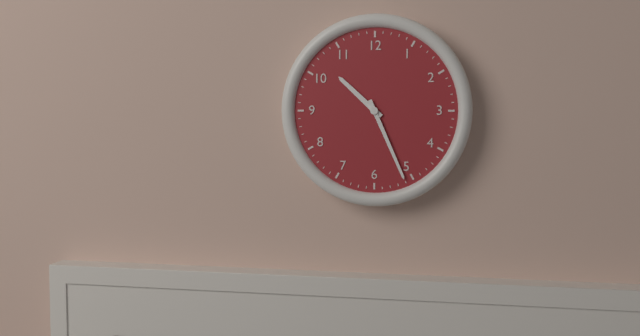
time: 10:26
